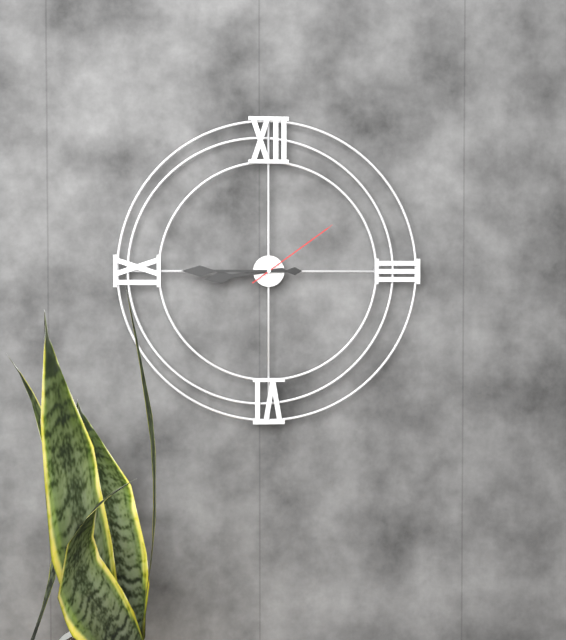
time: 8:45:09
